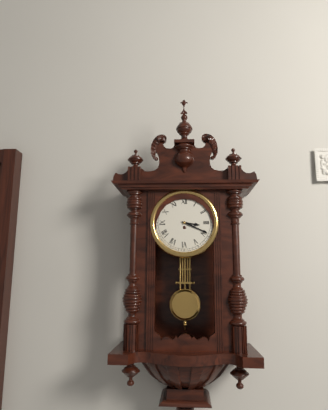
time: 3:19
